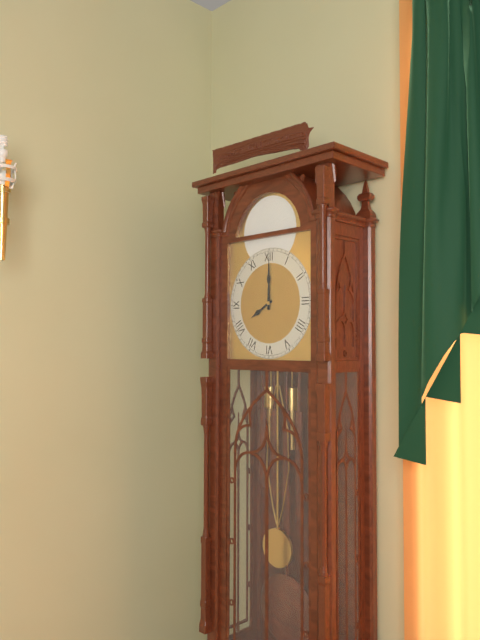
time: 8:00
